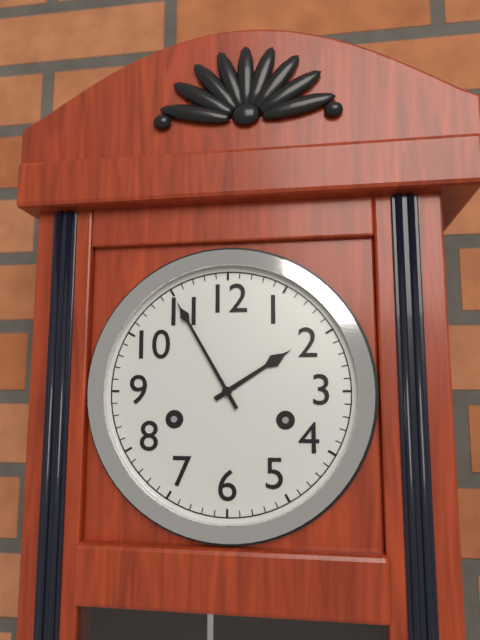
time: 1:55
